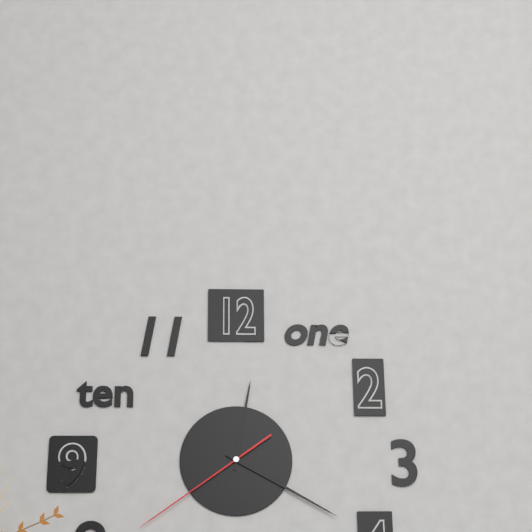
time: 12:20:39
